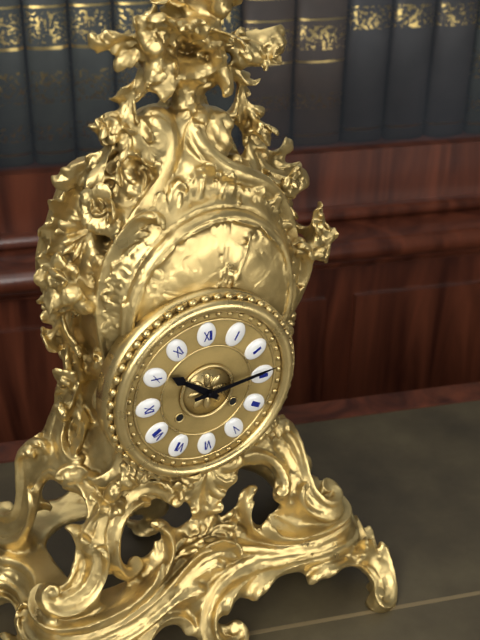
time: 10:14
